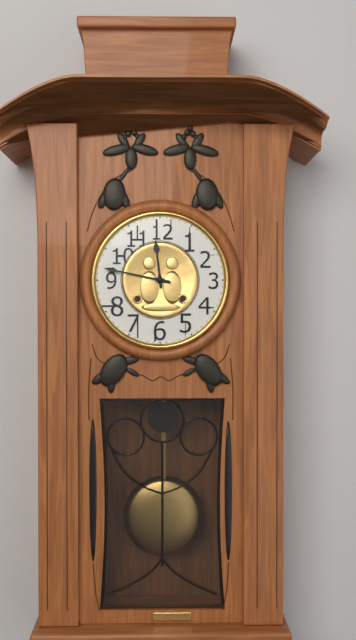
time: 11:47
